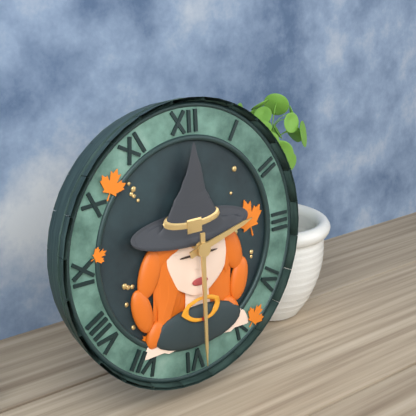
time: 2:30
